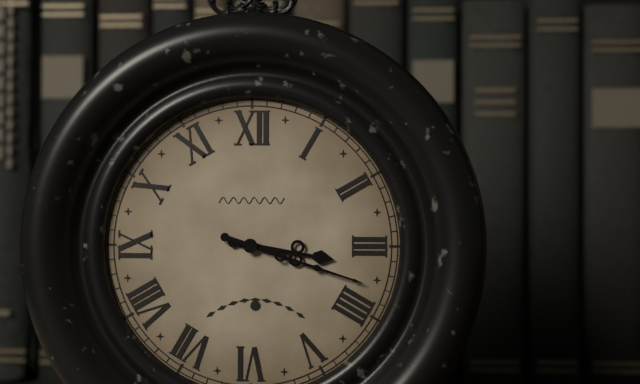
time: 3:18
